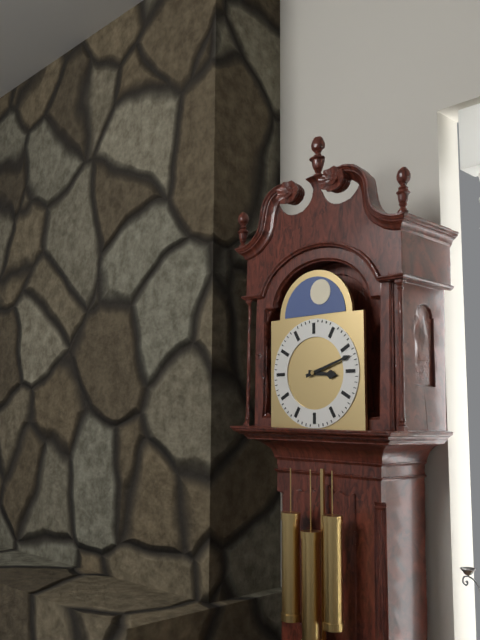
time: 3:12
